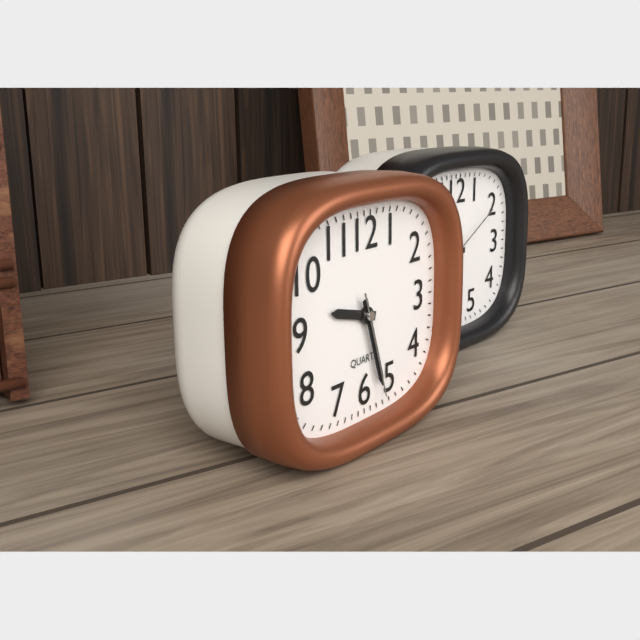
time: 9:27:27
